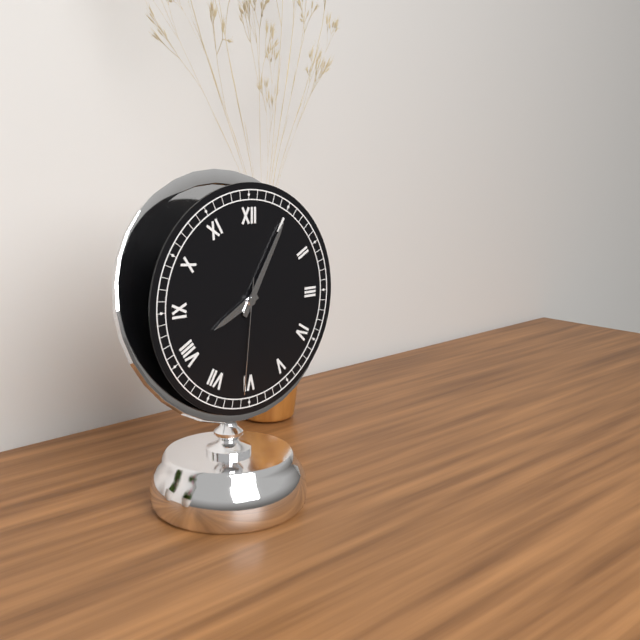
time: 8:05:31
